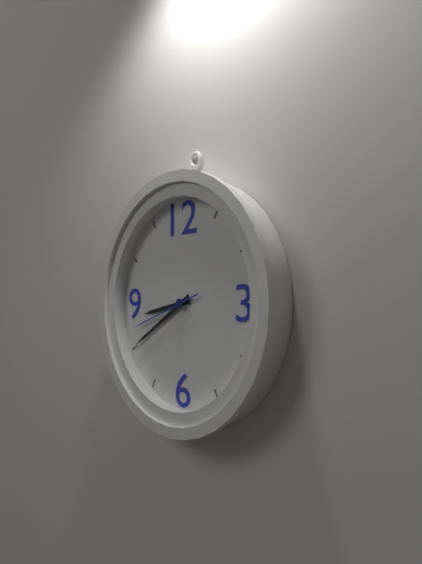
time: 8:40:42
